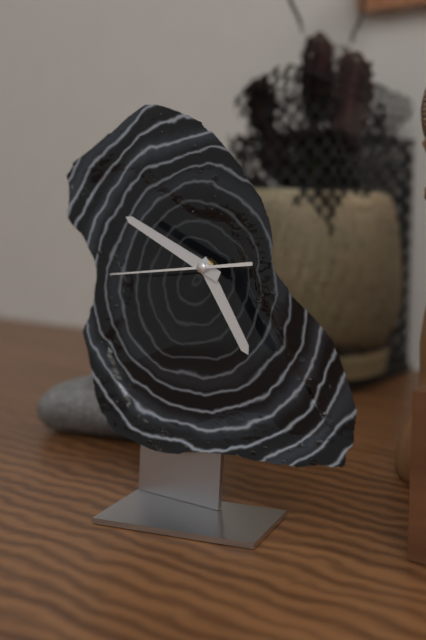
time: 4:49:44
